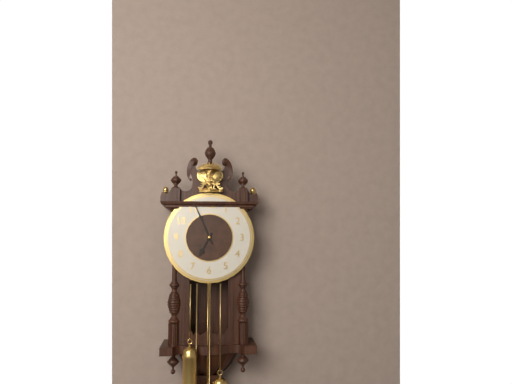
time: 6:56
